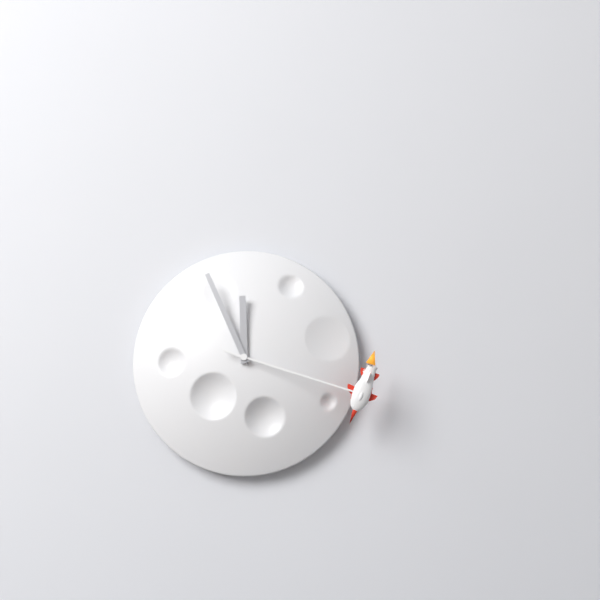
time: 11:56:18
